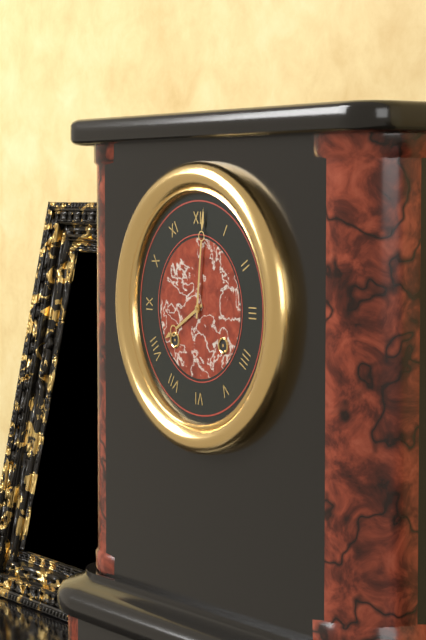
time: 8:01
